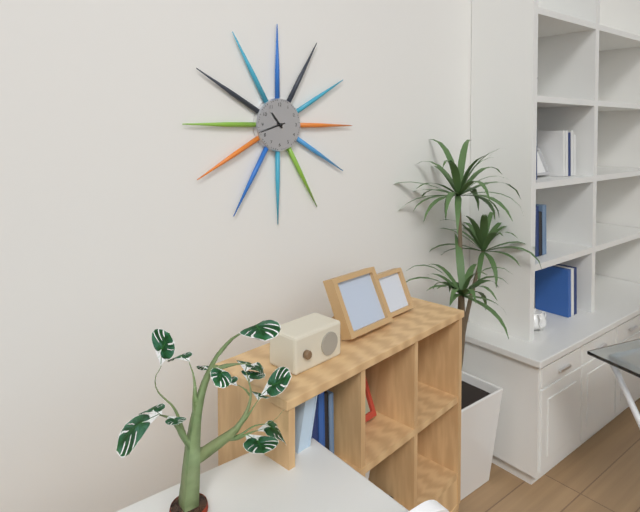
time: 10:42
